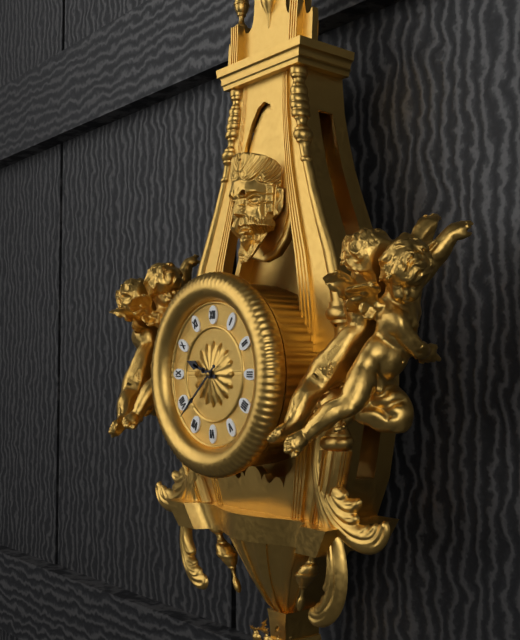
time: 9:38
